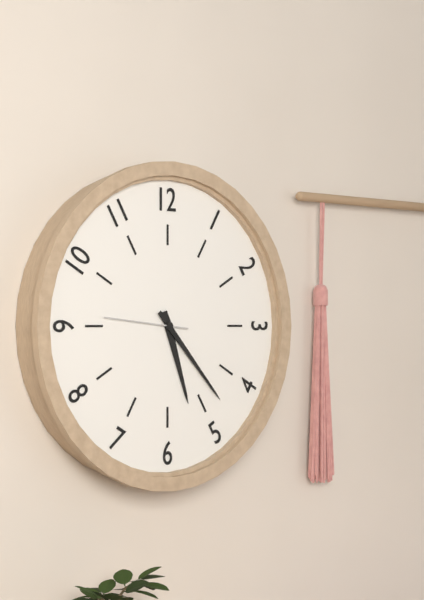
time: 5:23:46
